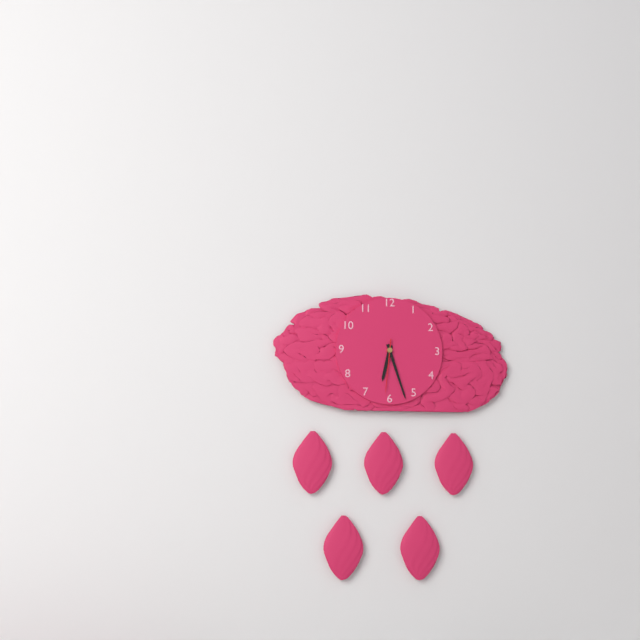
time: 6:27:31
